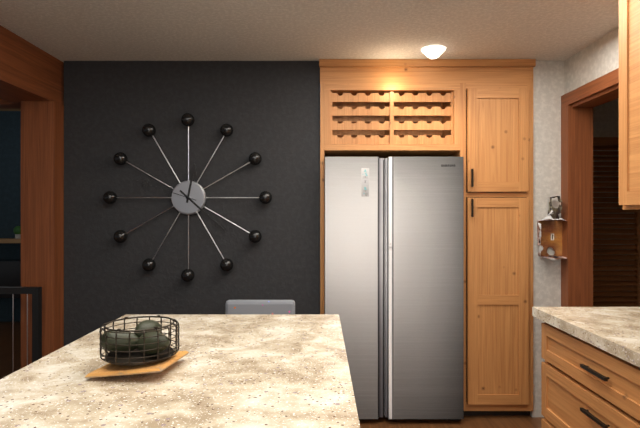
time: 12:22:48
